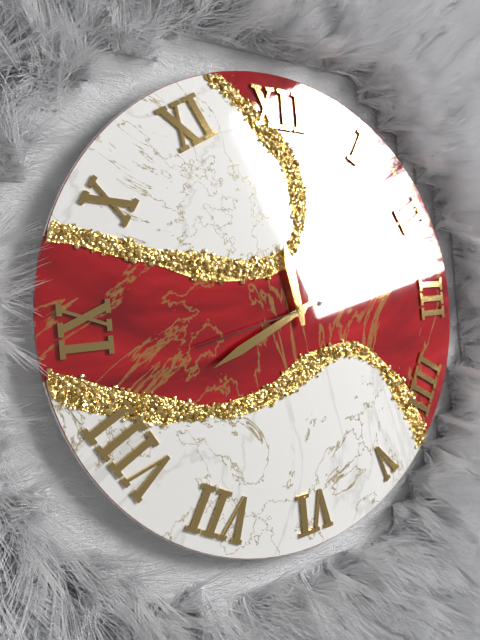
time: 11:41:43
